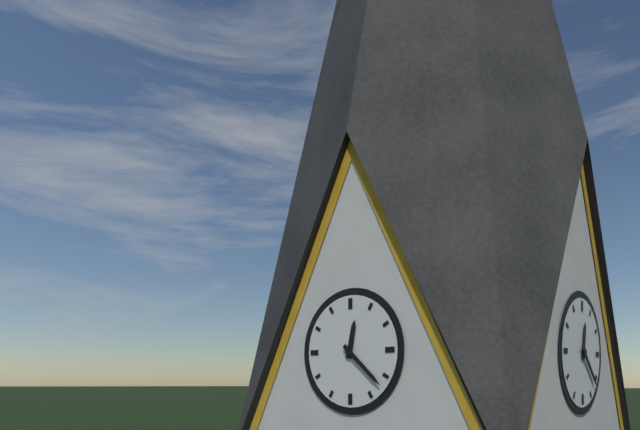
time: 12:22
